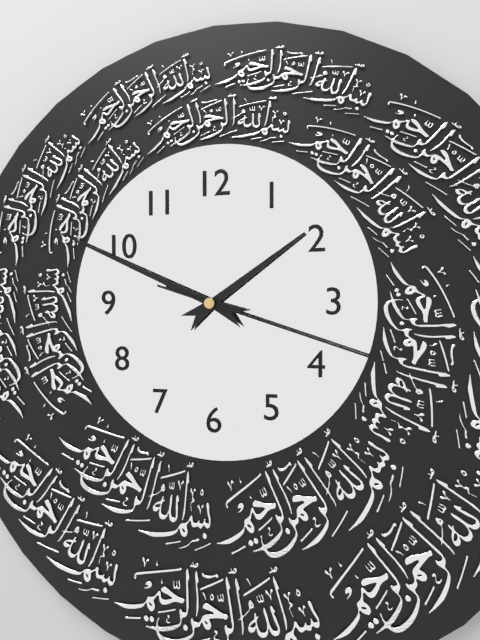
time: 1:49:18
